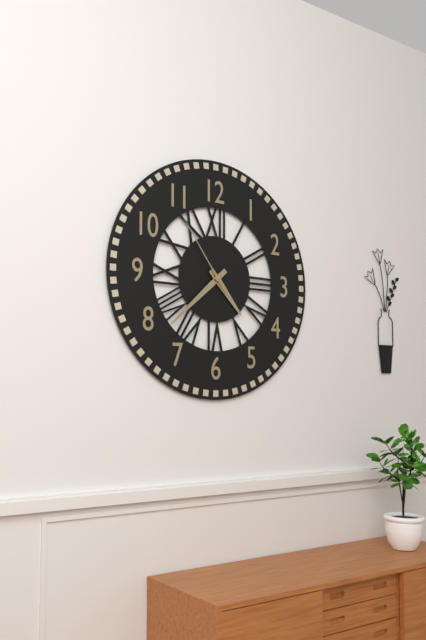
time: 4:38:54
